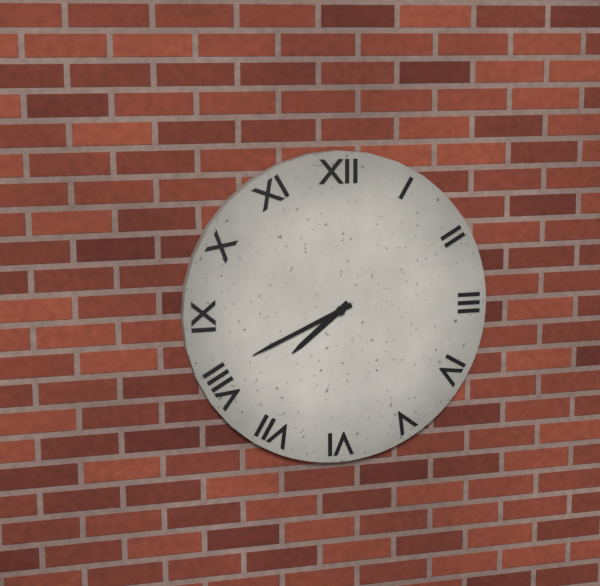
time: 7:41
